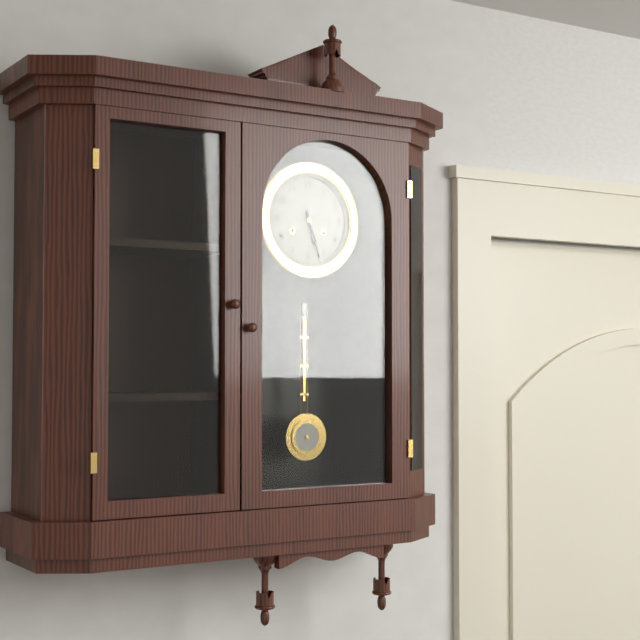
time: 5:27
